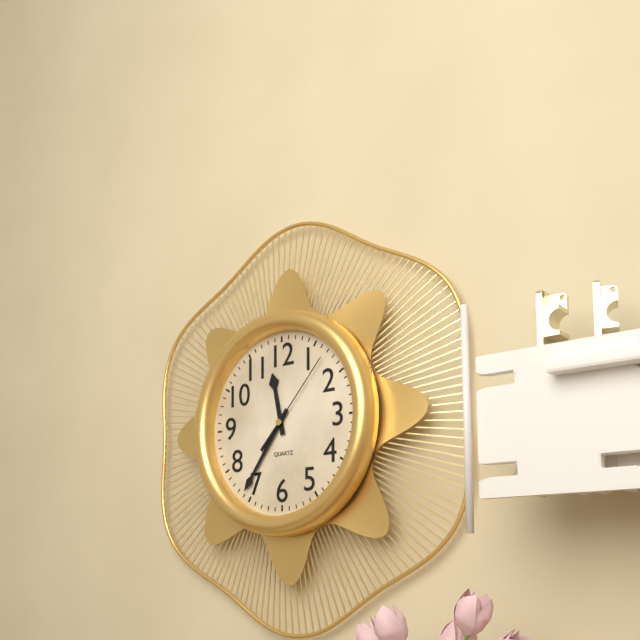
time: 11:36:07
